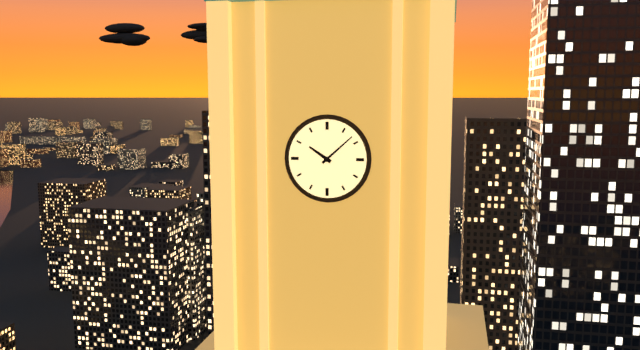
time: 10:08
